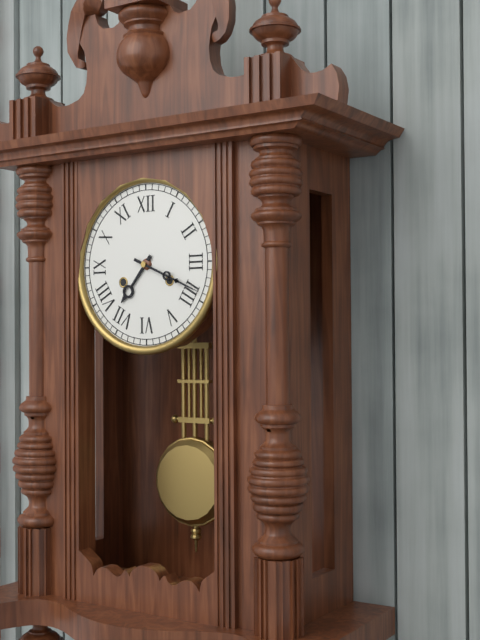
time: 7:19
